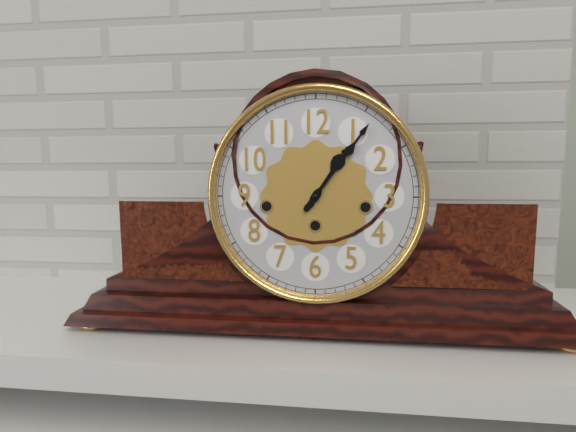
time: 1:06
